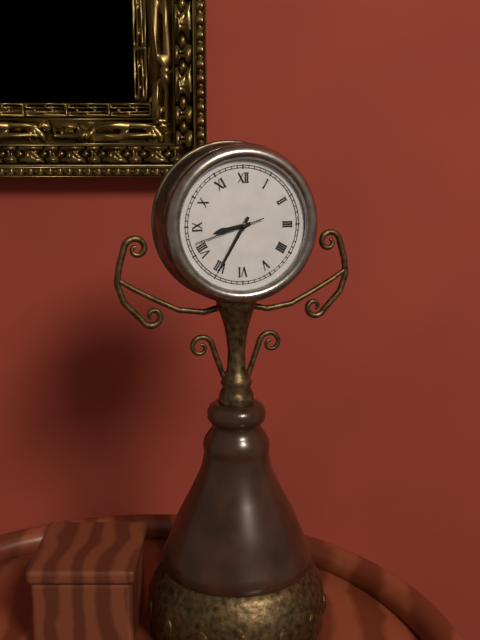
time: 8:35:42
